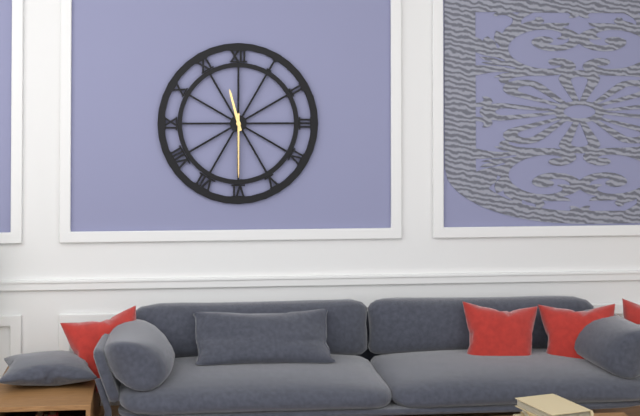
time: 11:30
